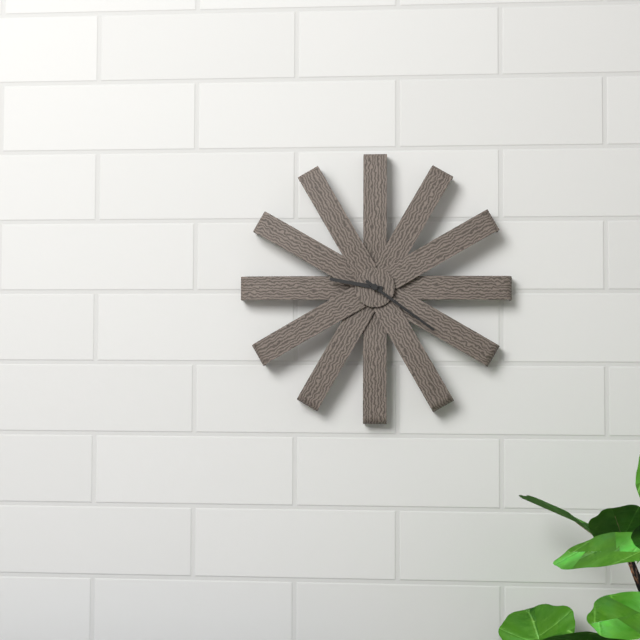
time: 9:21
